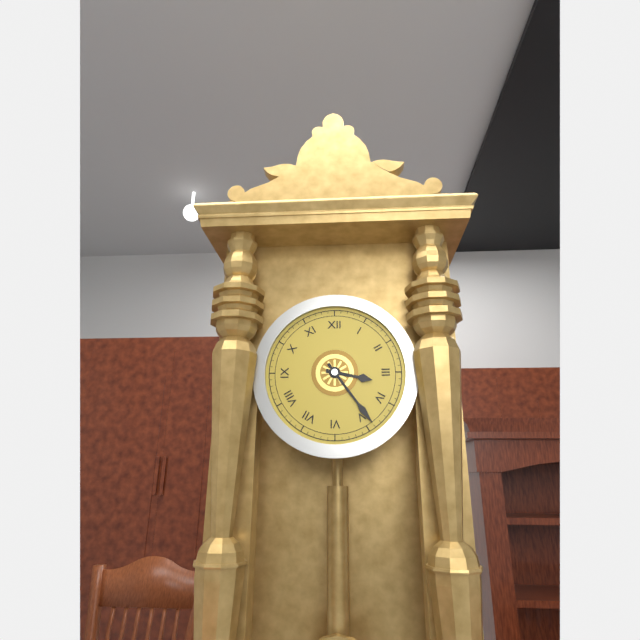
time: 3:24
